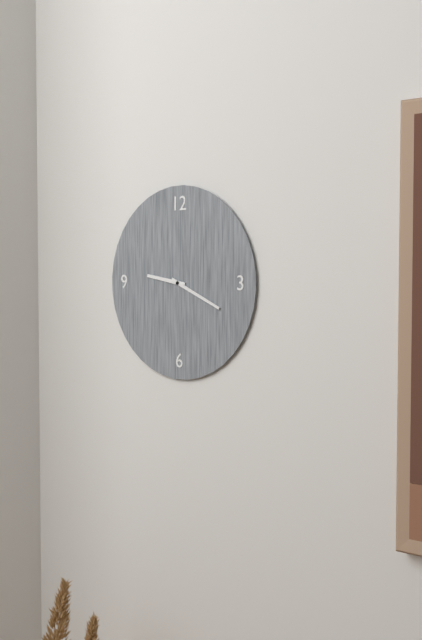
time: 9:19
